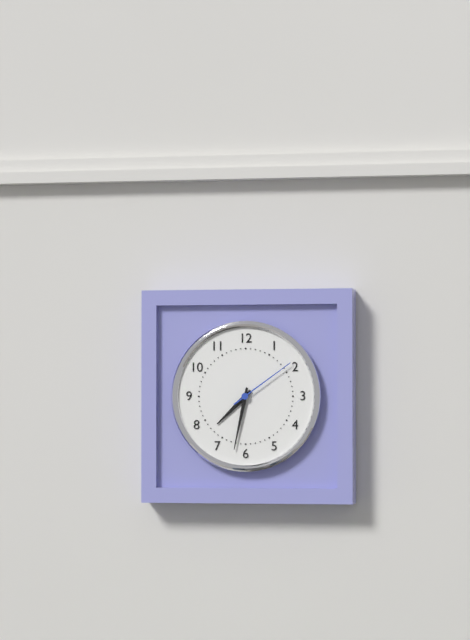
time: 7:32:09
